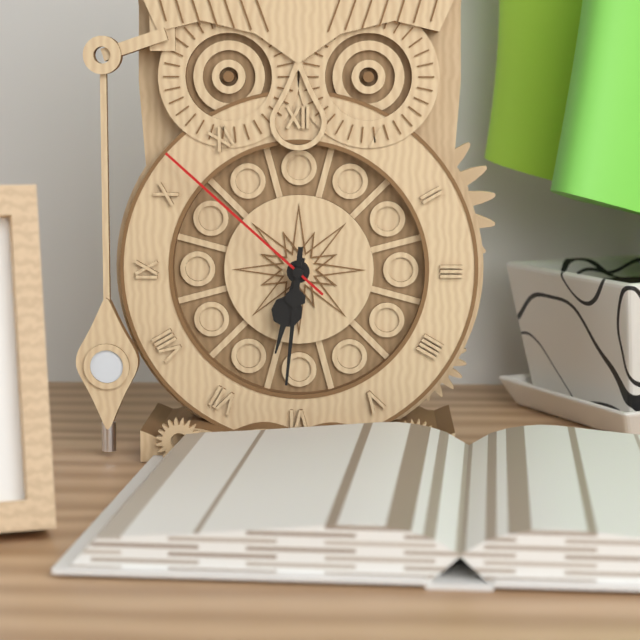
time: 6:31:52
